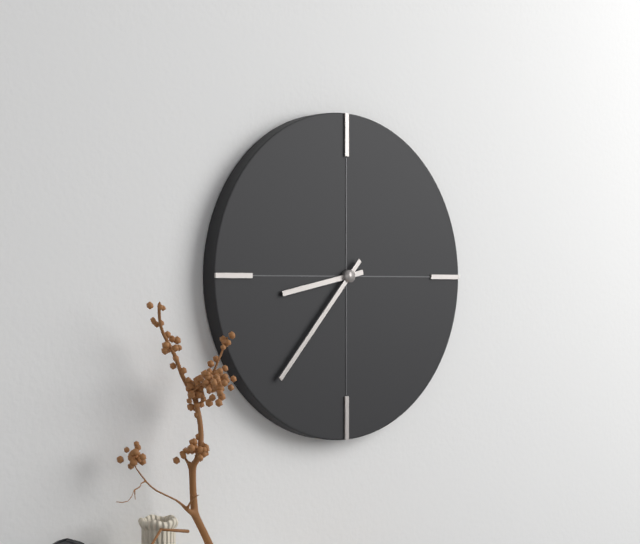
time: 8:37
